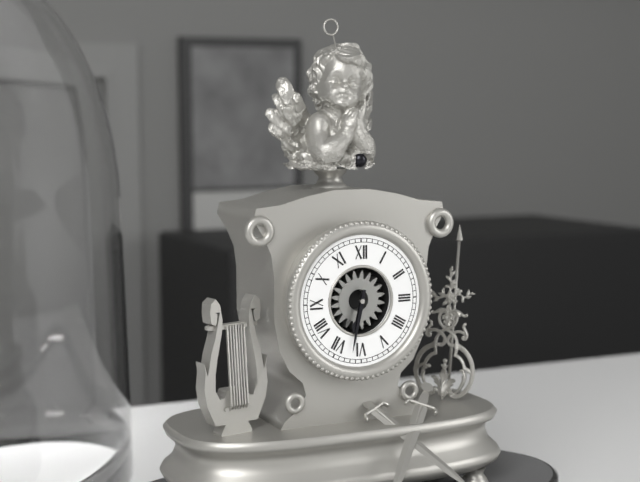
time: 6:32
